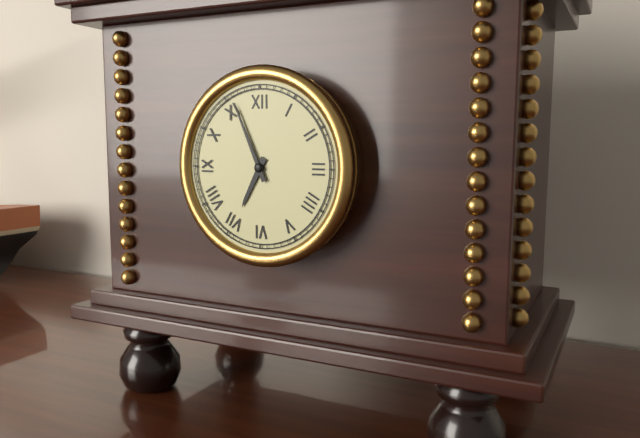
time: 6:56
